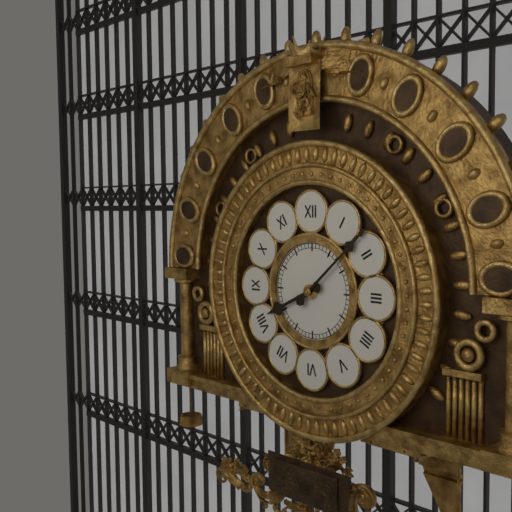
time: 8:08
